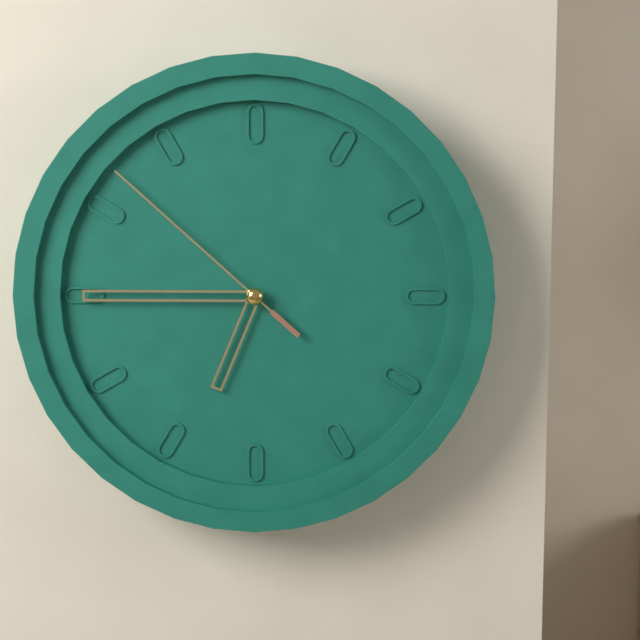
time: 6:45:52
